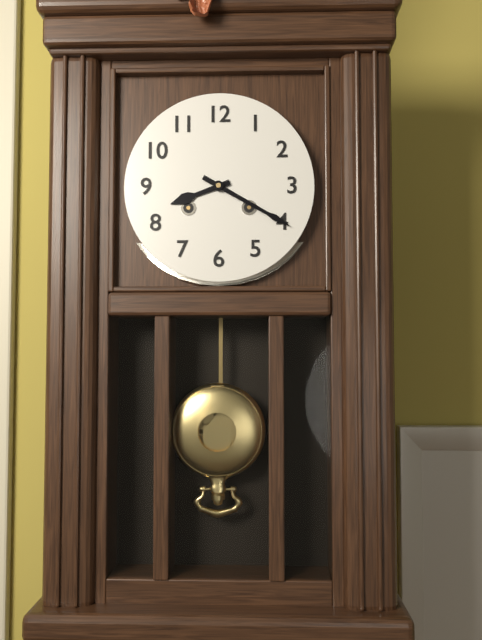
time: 8:20
